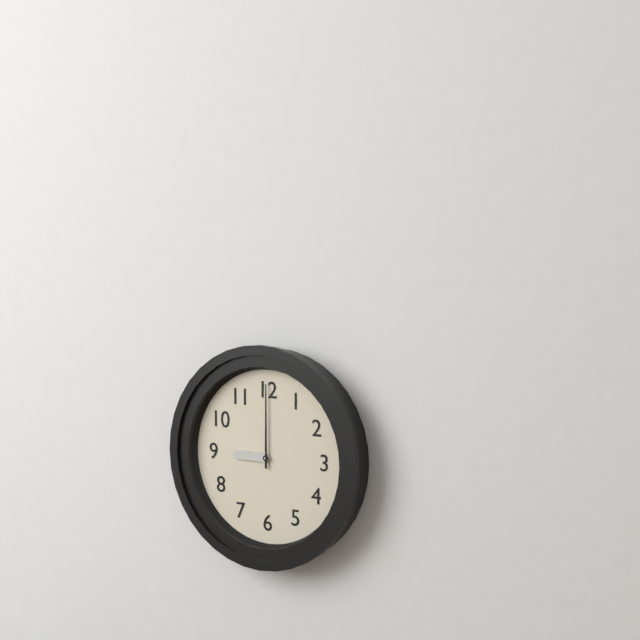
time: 9:00
